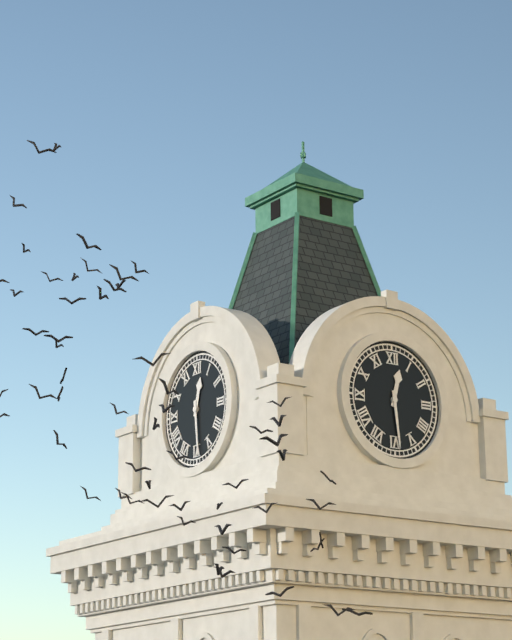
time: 12:29
